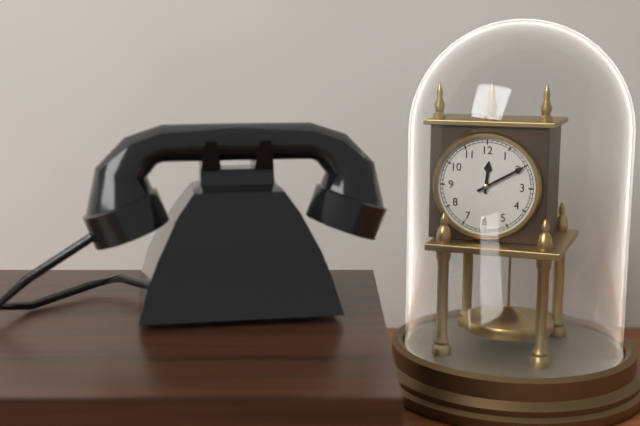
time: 12:10
